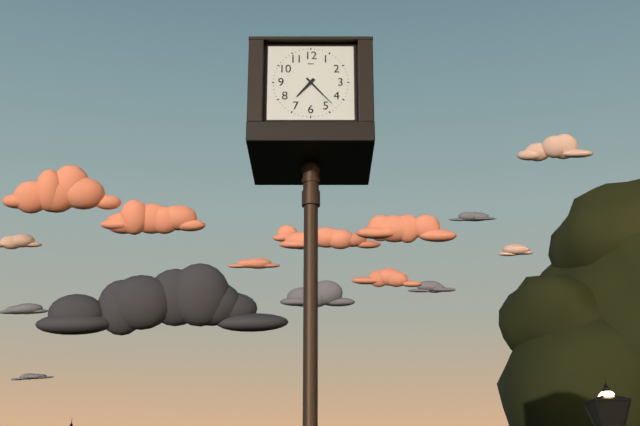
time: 7:23
